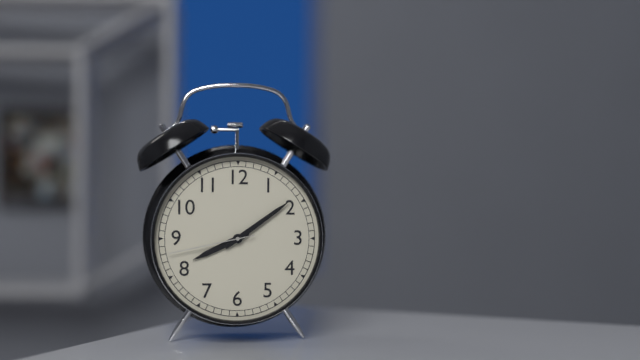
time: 8:09:43
